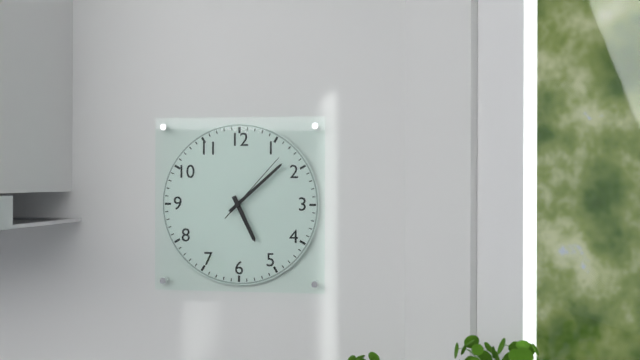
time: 5:08:07
